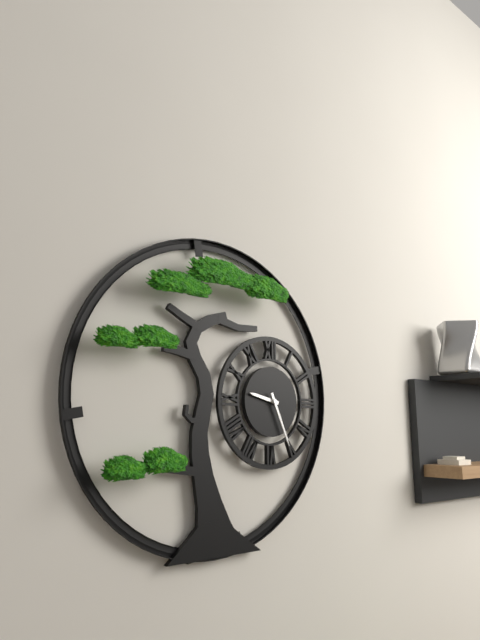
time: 9:26
